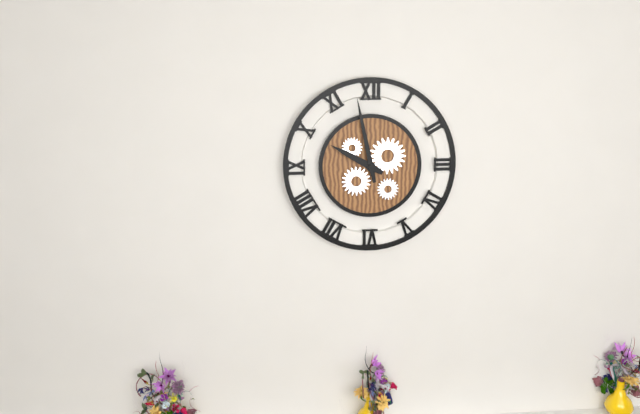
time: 9:58
